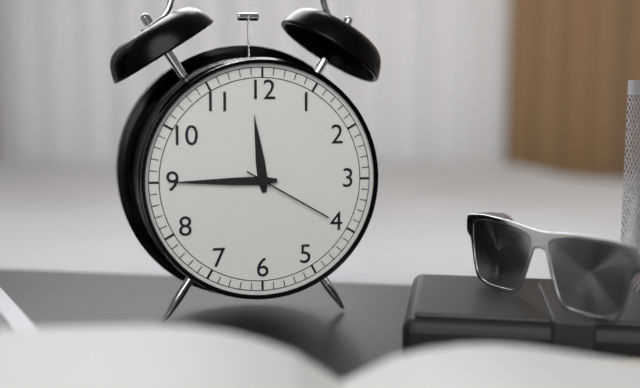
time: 11:45:20
